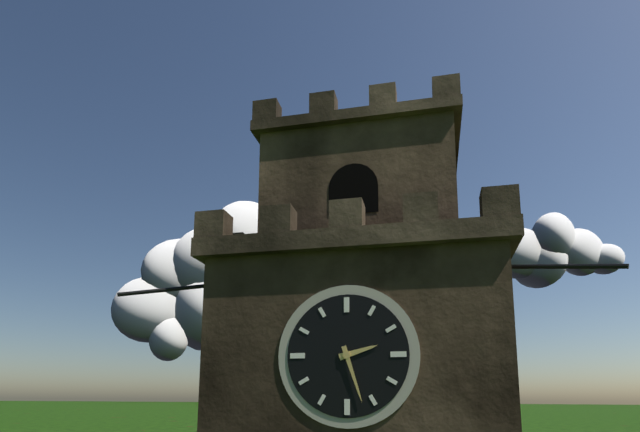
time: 2:27
